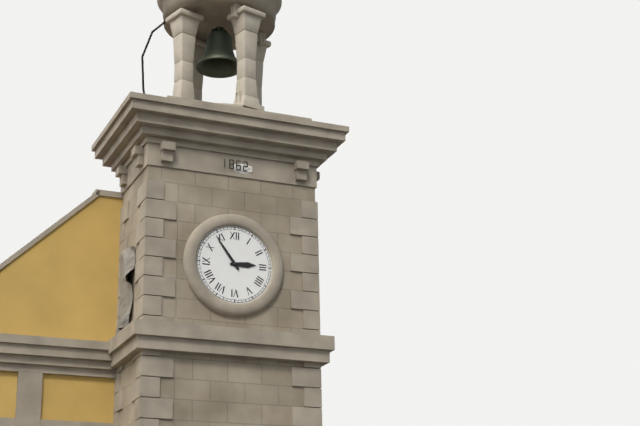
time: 2:54
